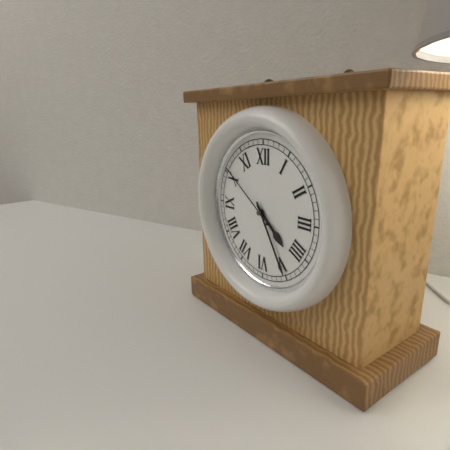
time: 4:25:51
